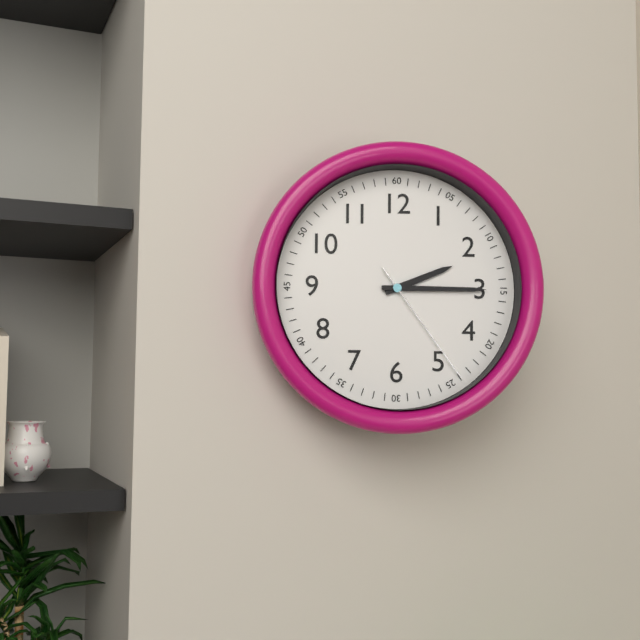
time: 2:15:24
